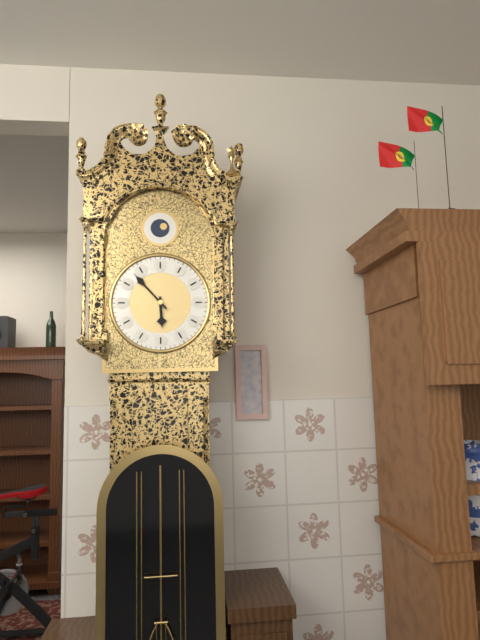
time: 5:53
